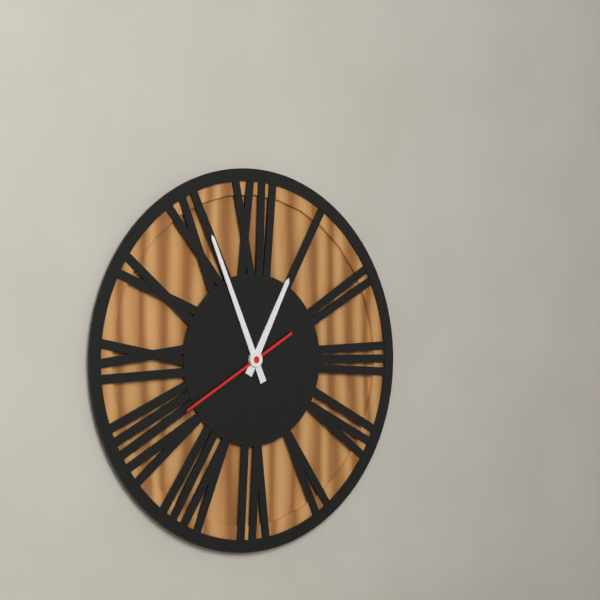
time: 12:56:40
